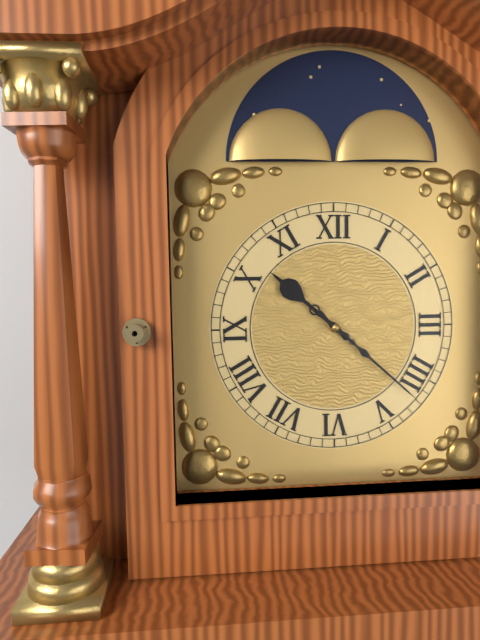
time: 10:22
